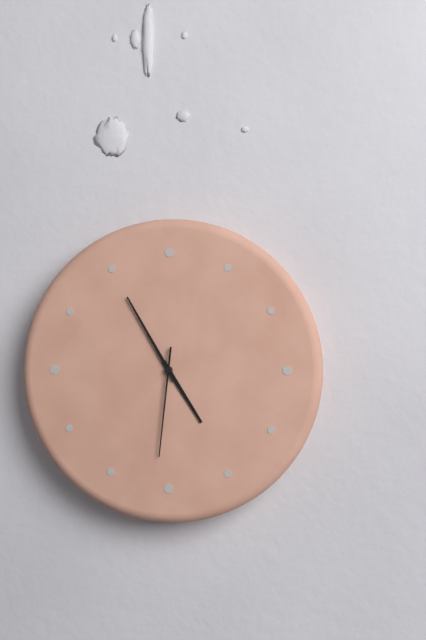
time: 4:55:31
